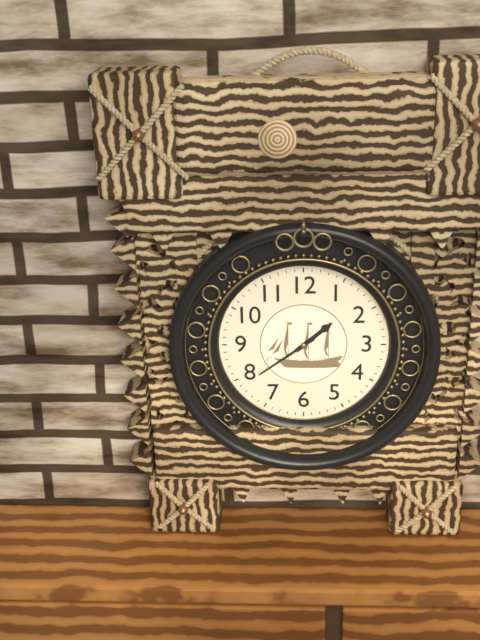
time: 1:39
